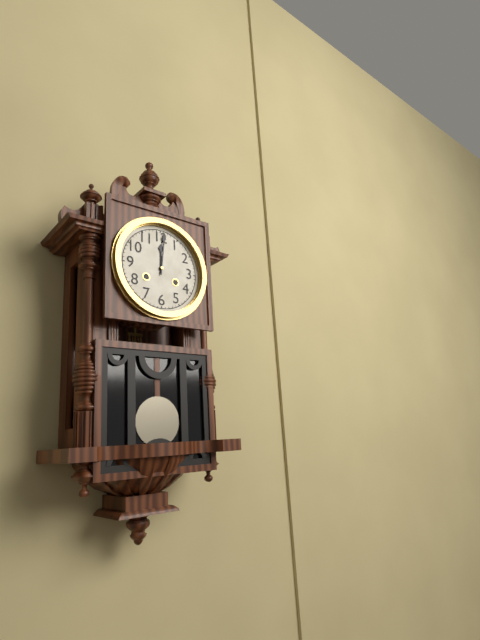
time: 12:01
